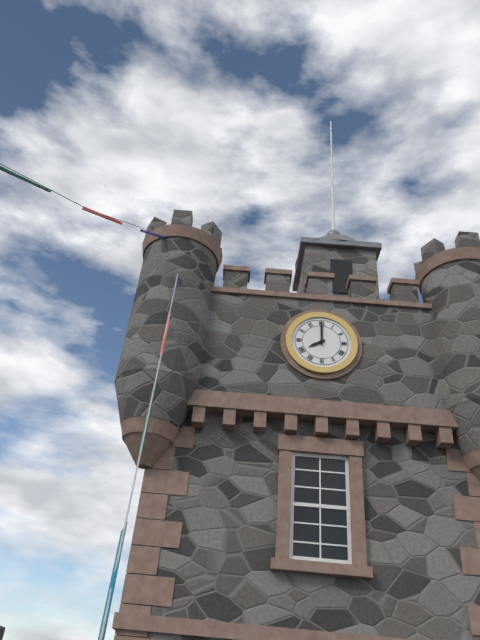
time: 8:00
